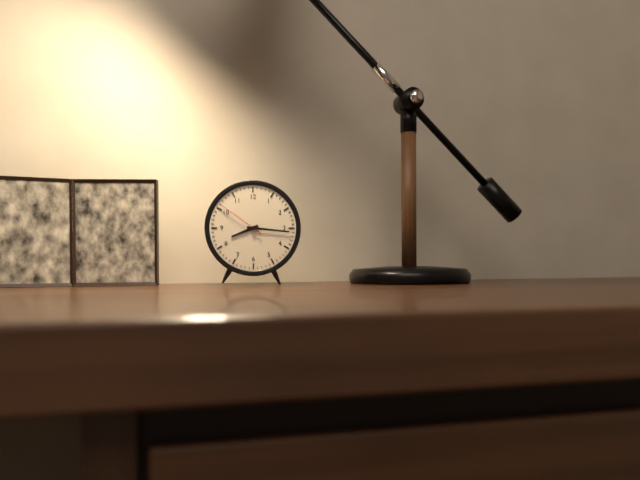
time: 8:16
